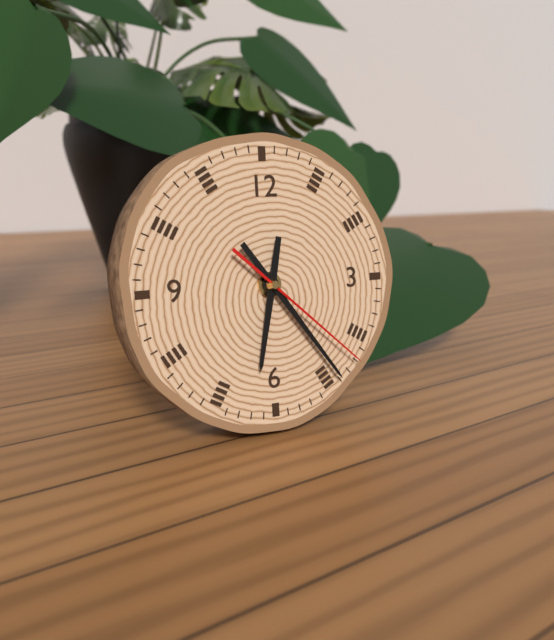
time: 6:24:22
